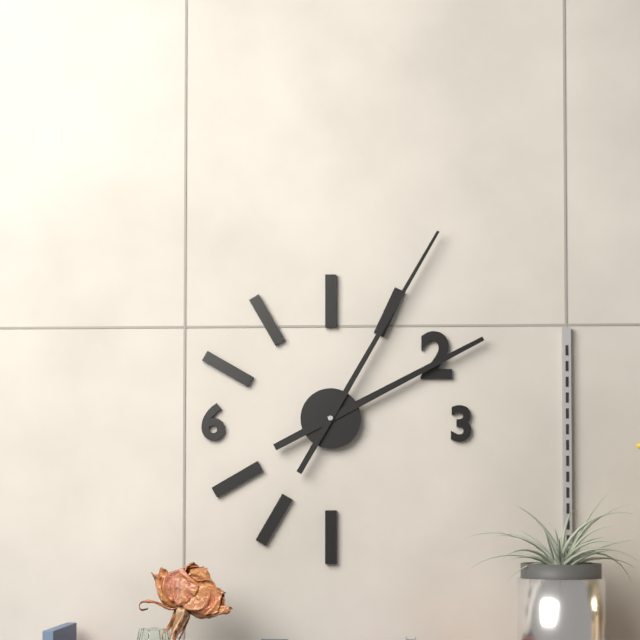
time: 2:05
